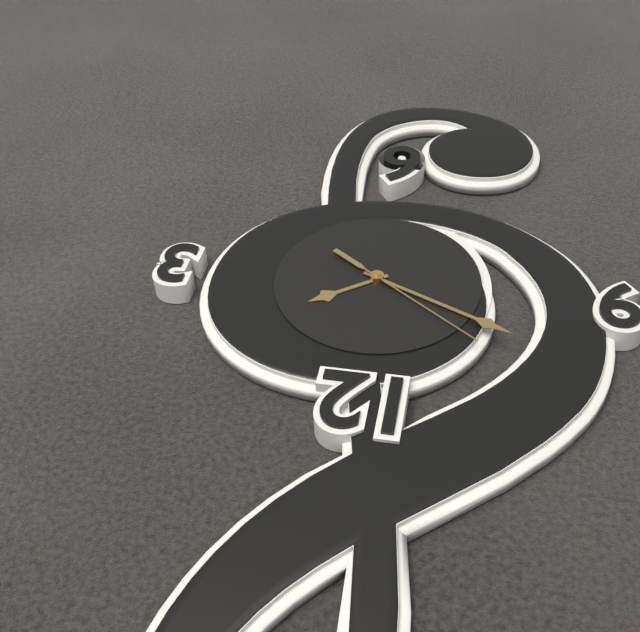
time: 1:49:51
